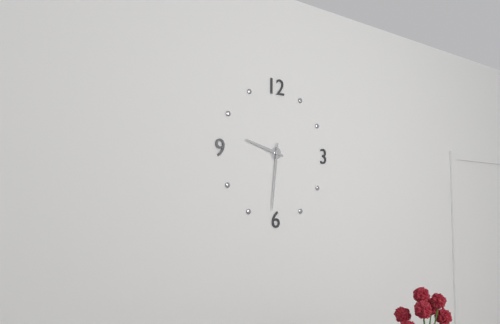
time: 9:31
